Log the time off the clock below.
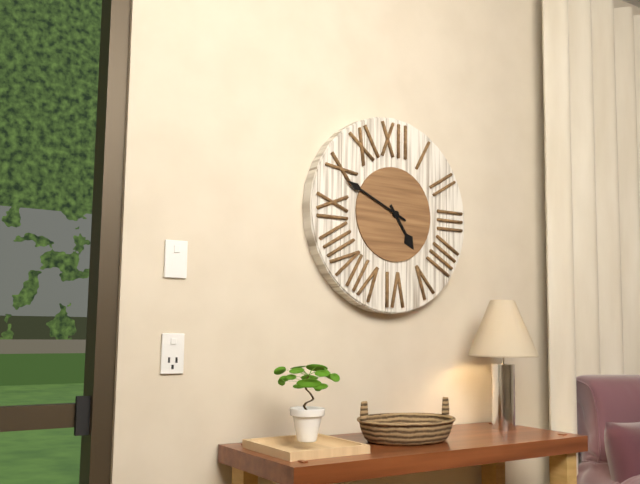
4:49
